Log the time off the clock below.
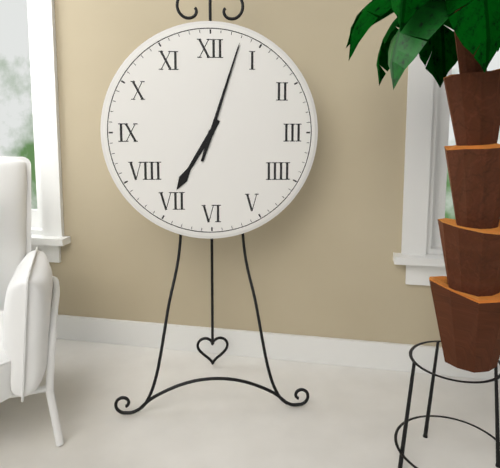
7:03
